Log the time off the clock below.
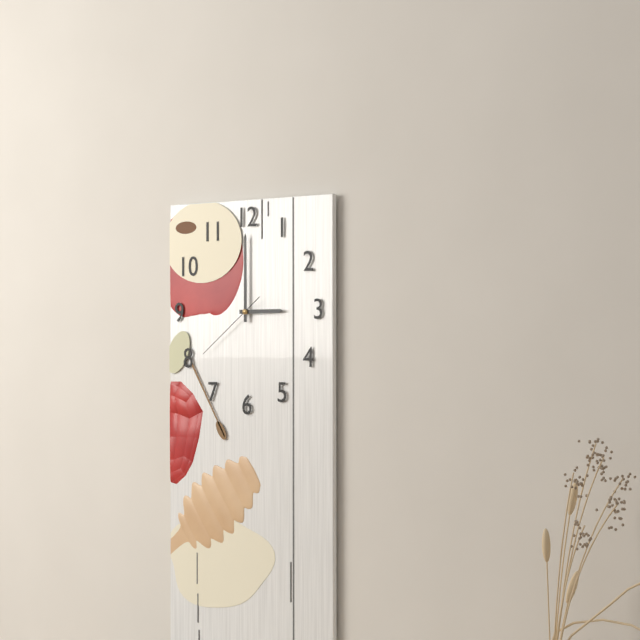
3:00:39
